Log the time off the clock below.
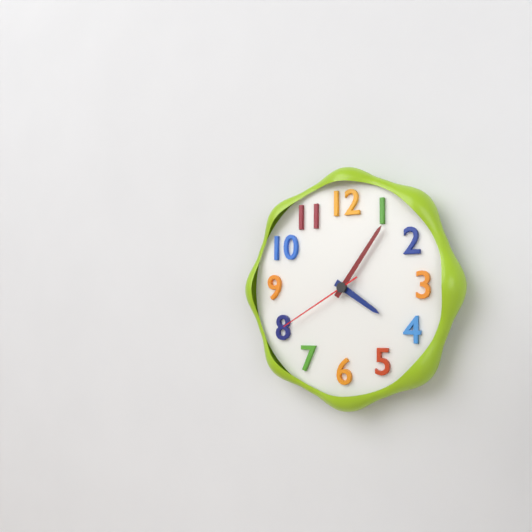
4:06:40
